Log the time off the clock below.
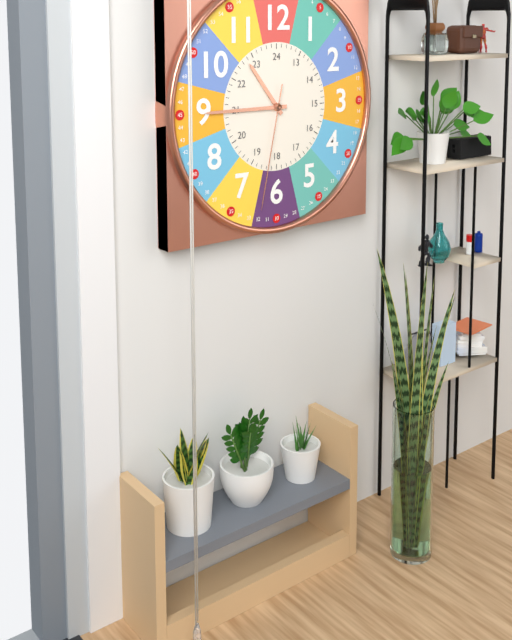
10:45:32
